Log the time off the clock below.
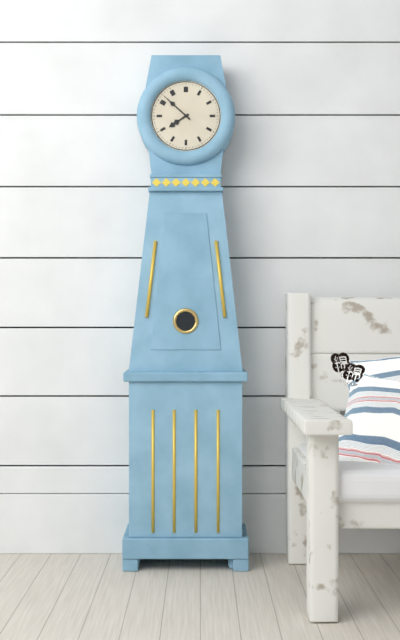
7:52
